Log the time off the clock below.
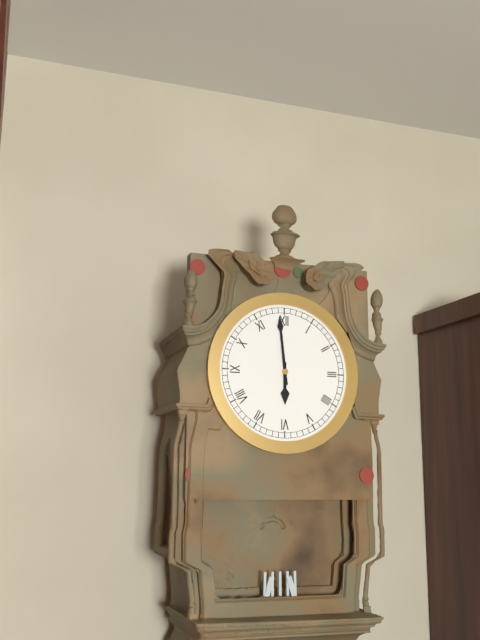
5:59
